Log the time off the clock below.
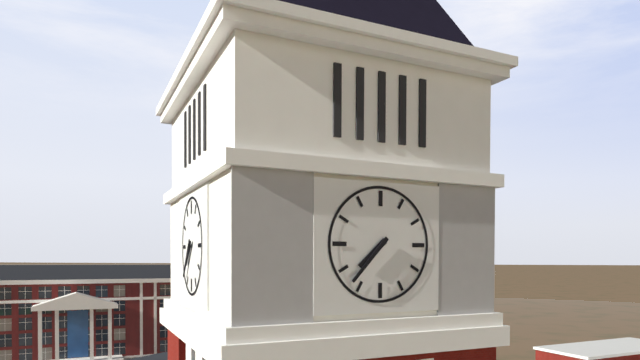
7:37
